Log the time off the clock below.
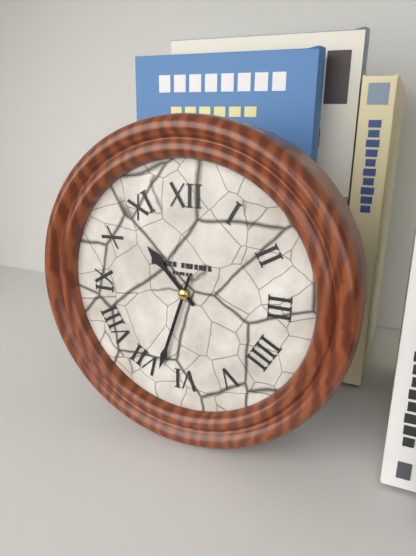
10:33
